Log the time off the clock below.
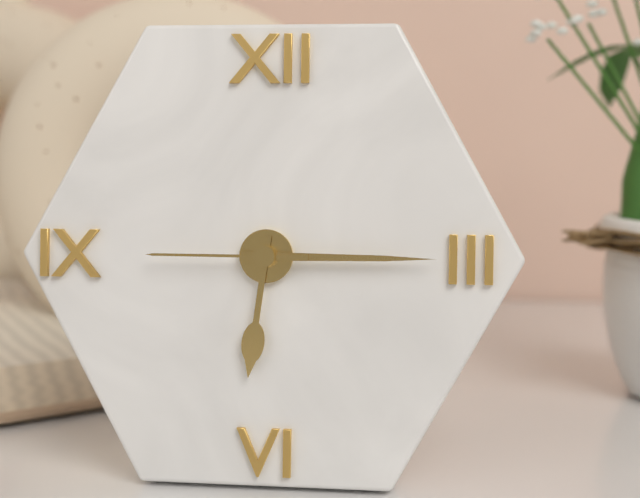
6:15:45
